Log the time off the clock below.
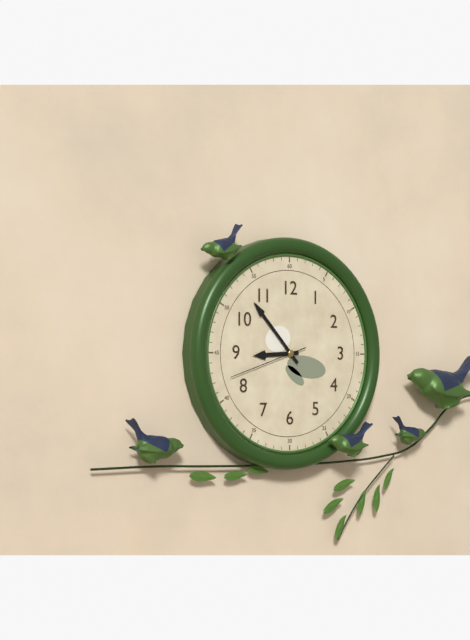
8:53:42
